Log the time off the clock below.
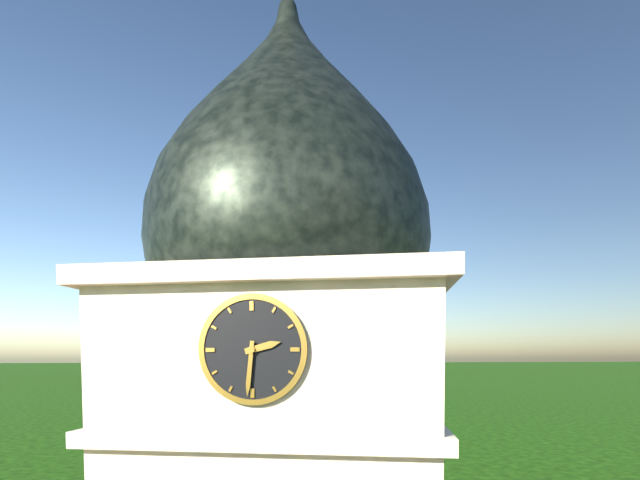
2:31
